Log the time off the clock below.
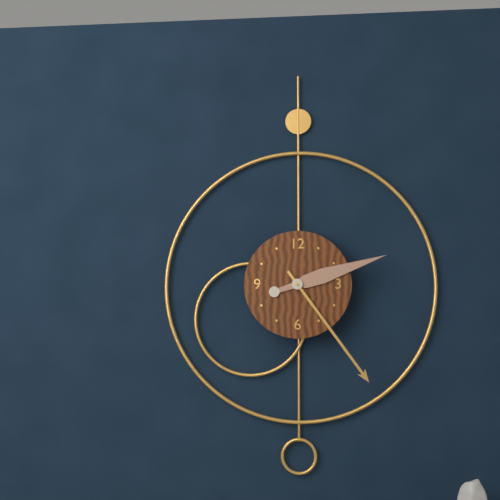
2:24
